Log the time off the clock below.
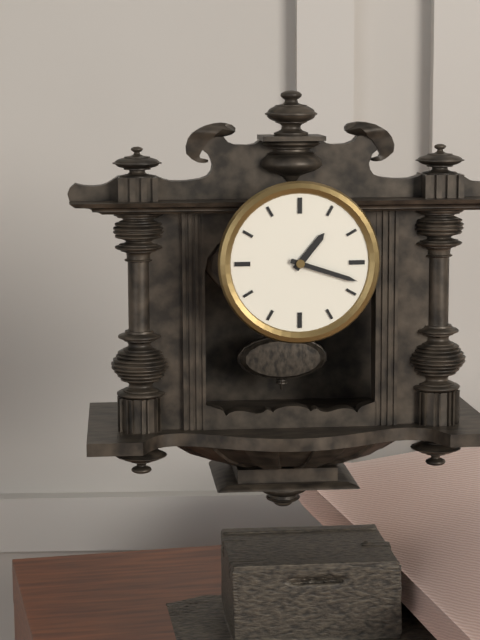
1:18
